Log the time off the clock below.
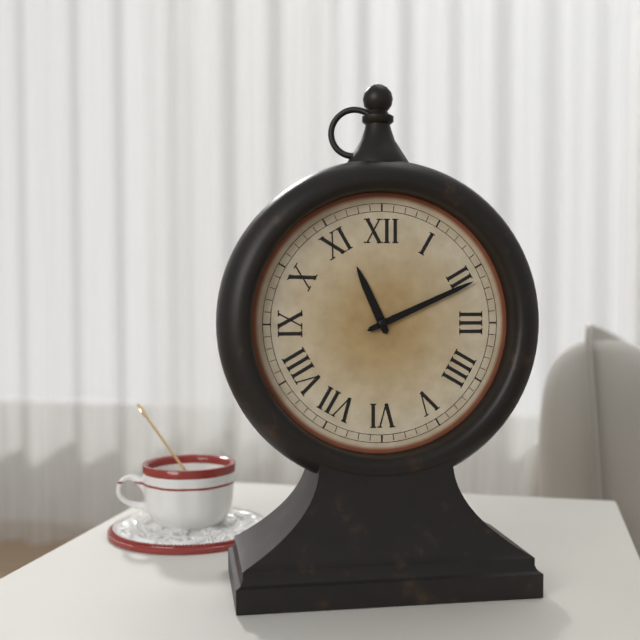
11:11
